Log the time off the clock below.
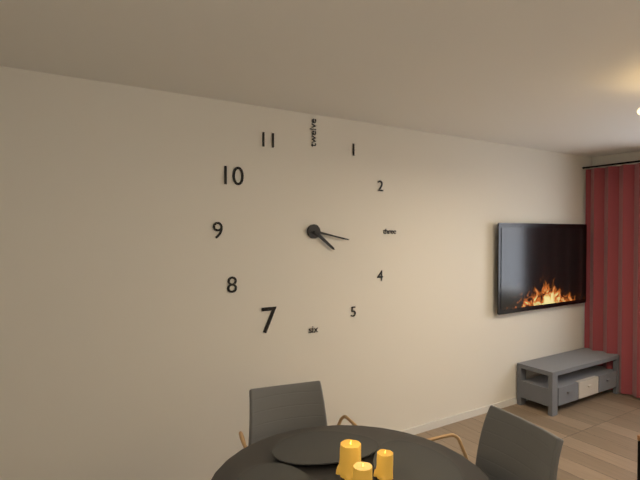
4:17
